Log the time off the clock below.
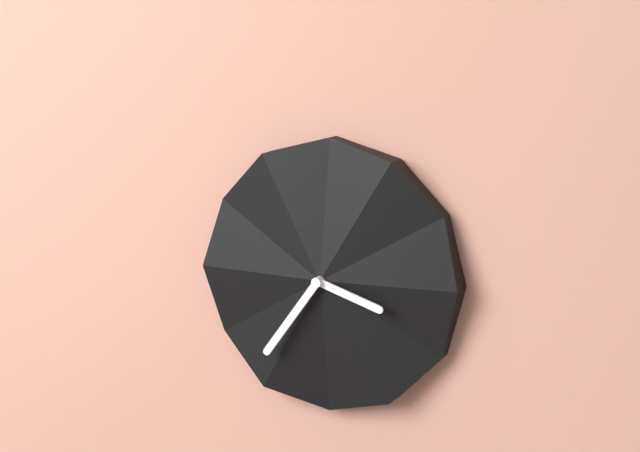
3:36
